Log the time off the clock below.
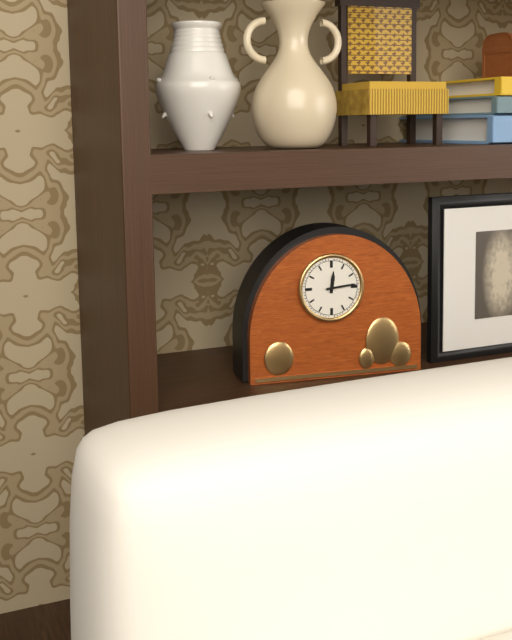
12:14
